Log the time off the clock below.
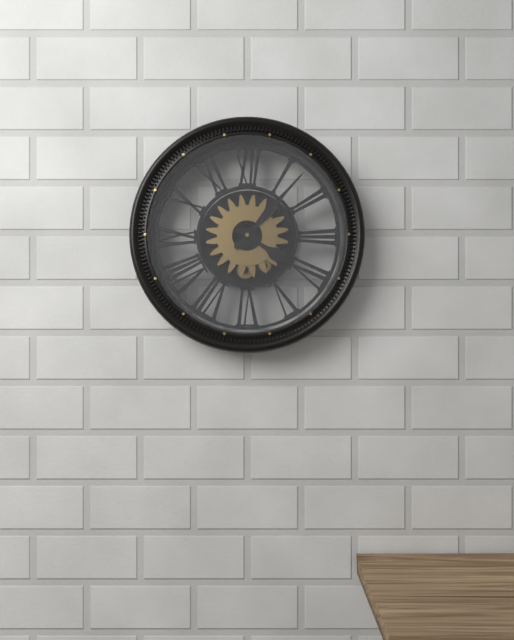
4:07
